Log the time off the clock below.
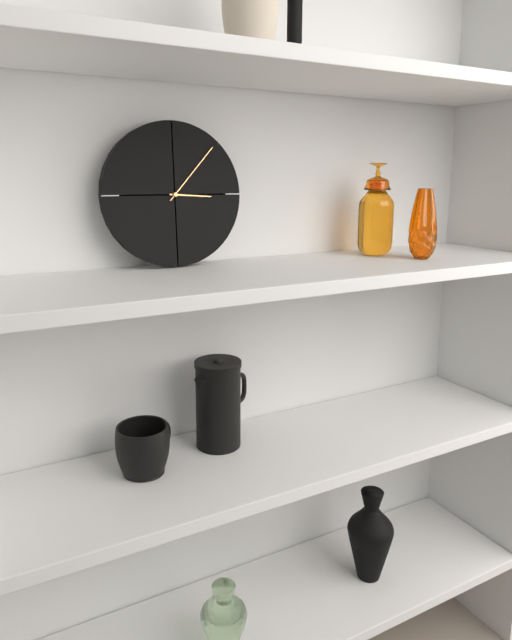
3:07
